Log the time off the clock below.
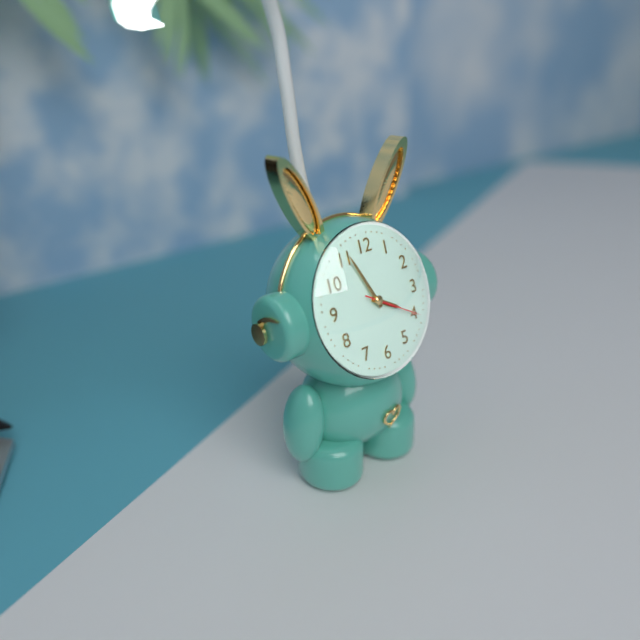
3:56:20
